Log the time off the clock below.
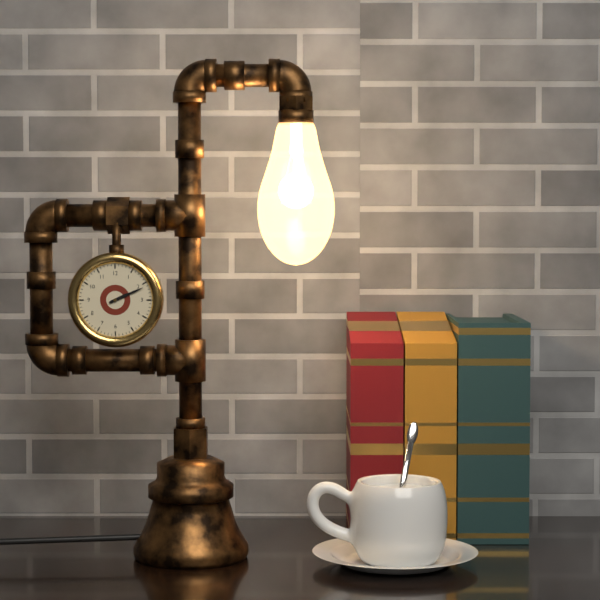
2:11
